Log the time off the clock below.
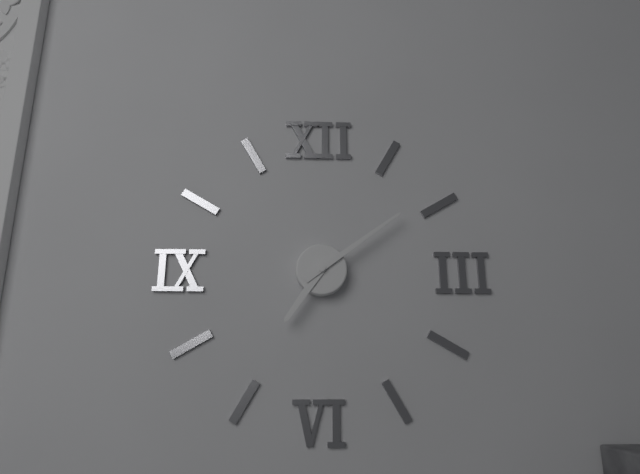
7:09
